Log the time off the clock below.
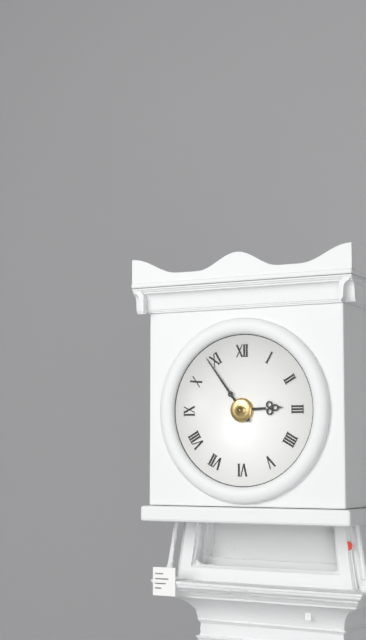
2:54
